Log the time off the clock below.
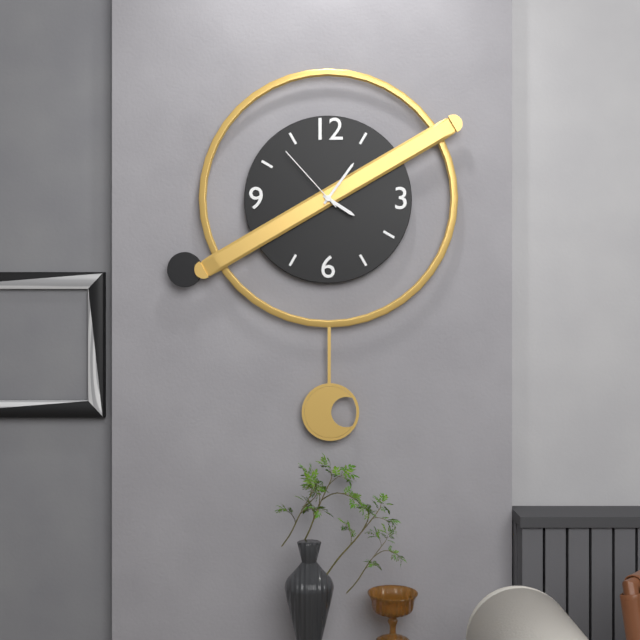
4:06:53
